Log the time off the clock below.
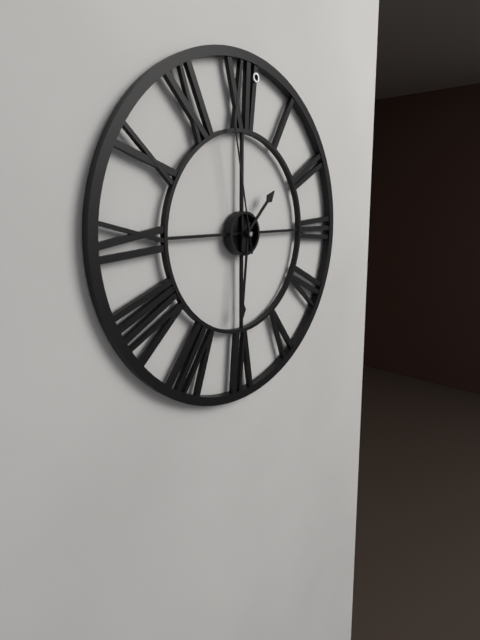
1:31:58
